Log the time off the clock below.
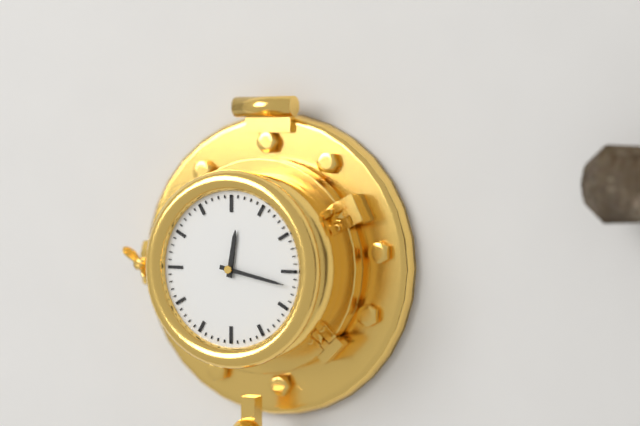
12:17
